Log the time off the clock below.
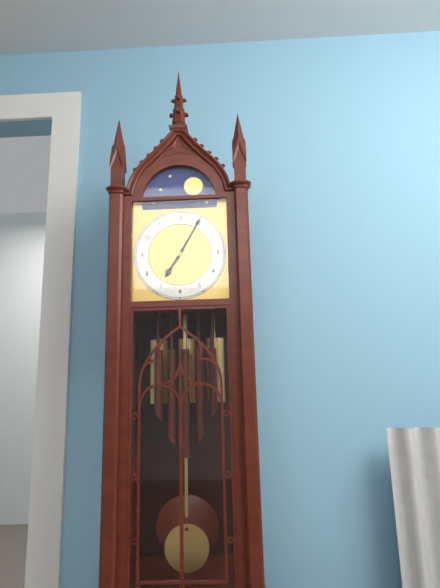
7:05
